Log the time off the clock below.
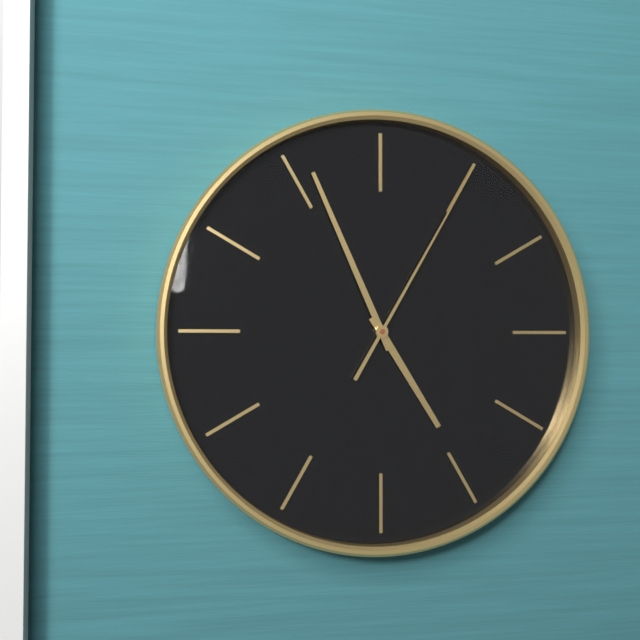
4:56:05
